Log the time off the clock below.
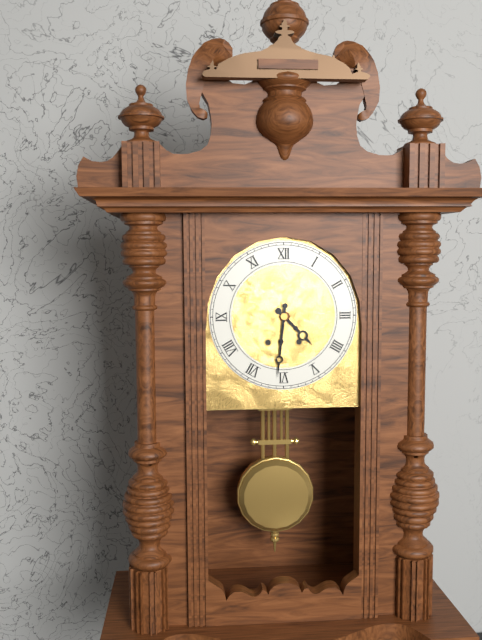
4:31
